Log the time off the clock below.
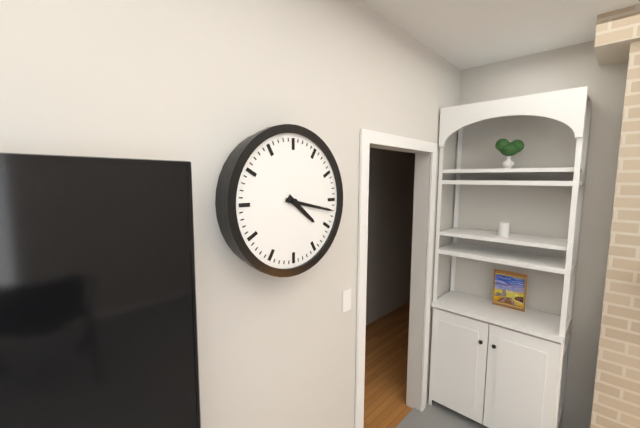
4:17
